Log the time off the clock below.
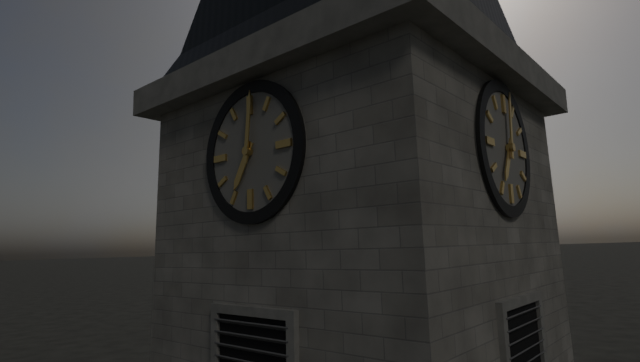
7:01
